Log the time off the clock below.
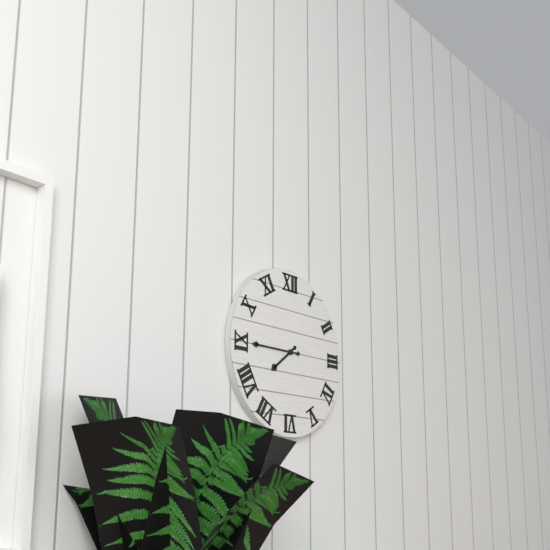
7:45
